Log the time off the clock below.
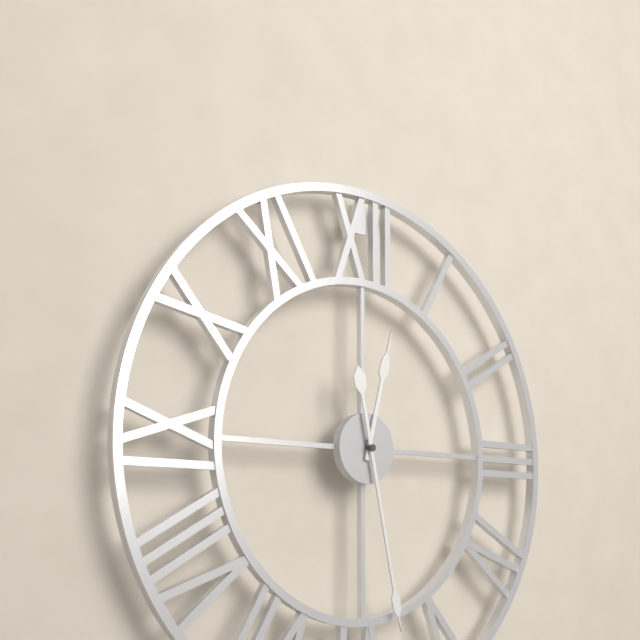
12:28
